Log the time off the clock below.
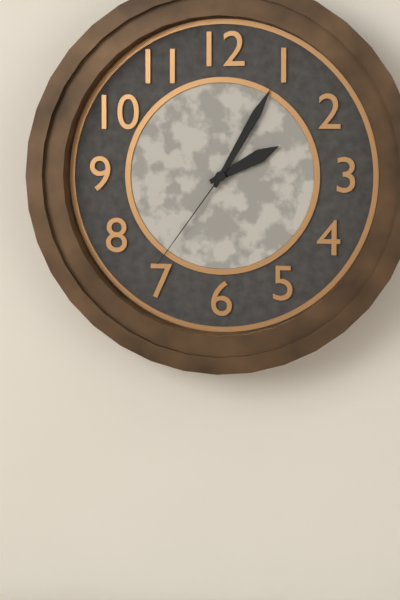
2:05:36
